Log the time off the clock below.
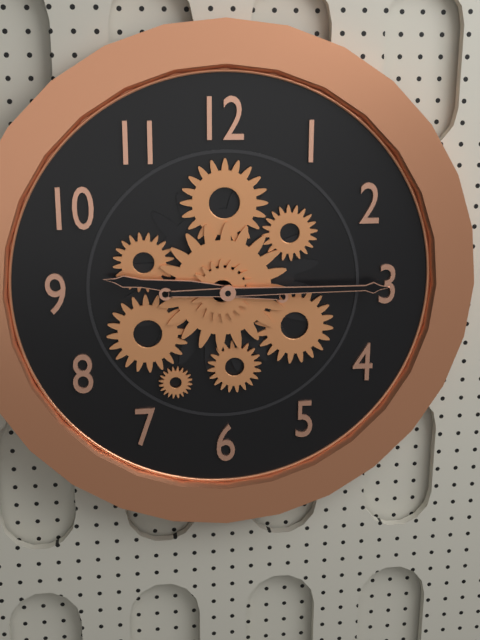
9:15
